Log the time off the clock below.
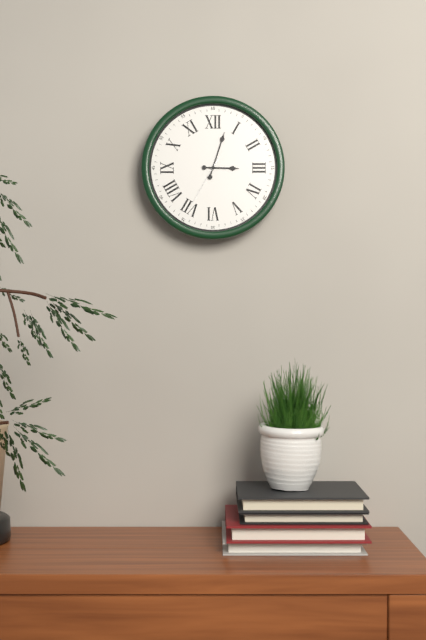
3:03:35
